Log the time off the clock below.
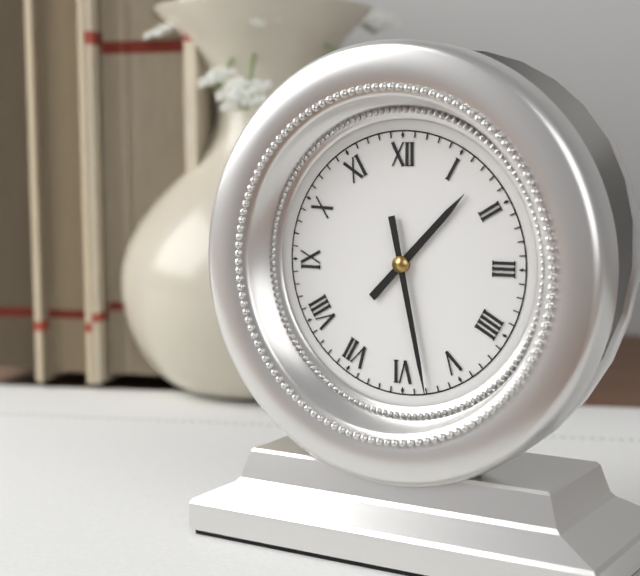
1:28
